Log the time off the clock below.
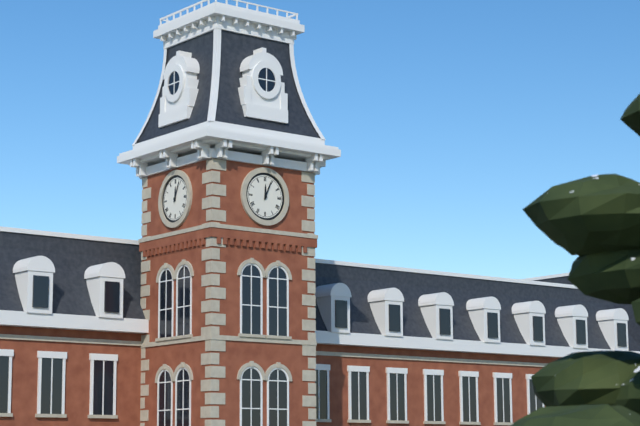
12:04
